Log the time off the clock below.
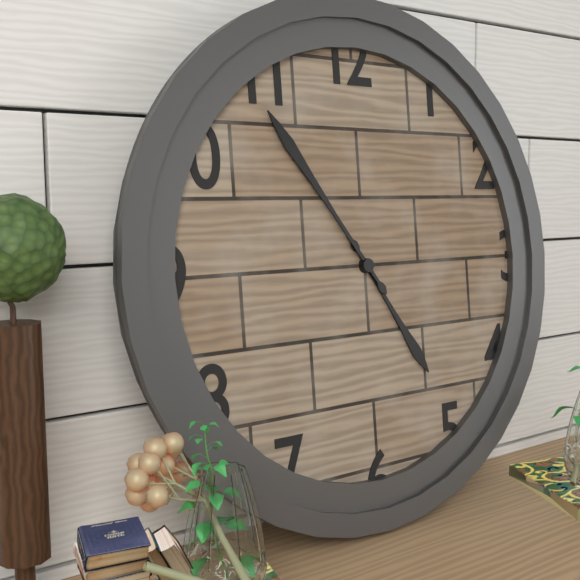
4:54
